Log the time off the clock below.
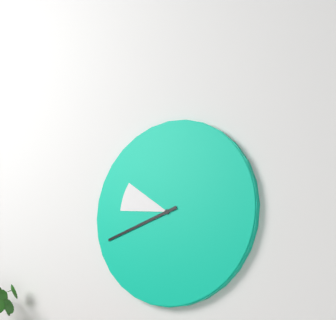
9:42
